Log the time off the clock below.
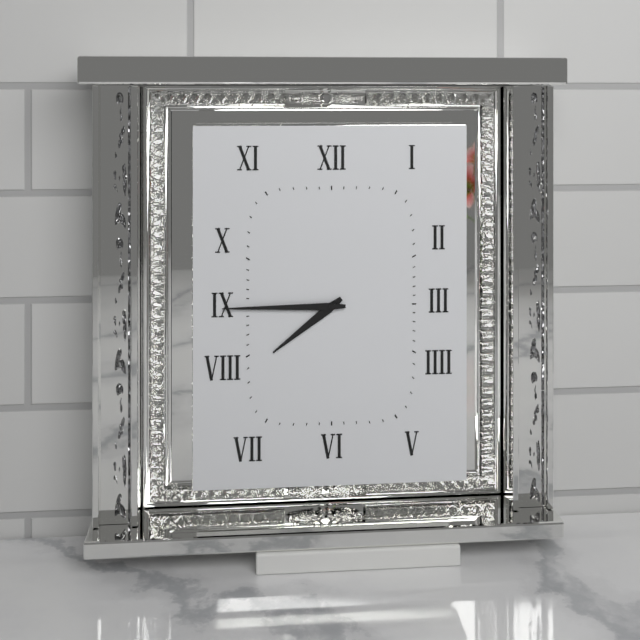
7:45
